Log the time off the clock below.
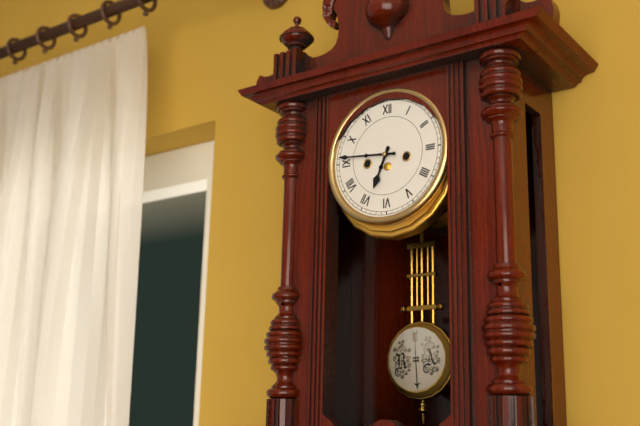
6:46
